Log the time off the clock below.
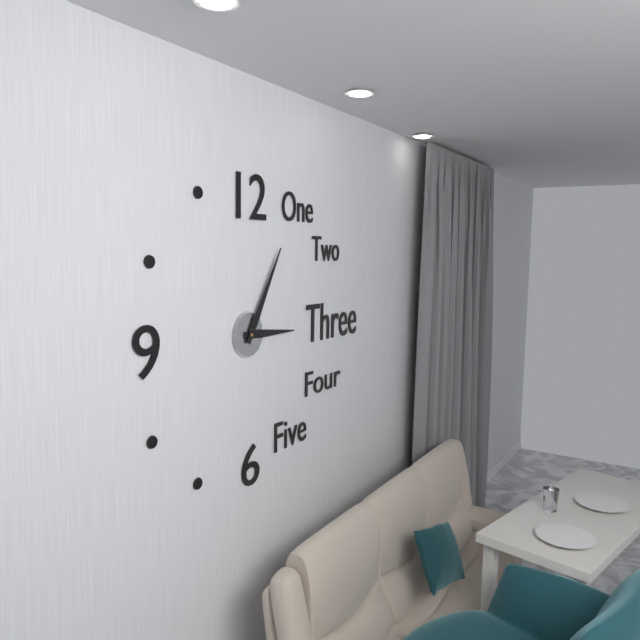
3:05
